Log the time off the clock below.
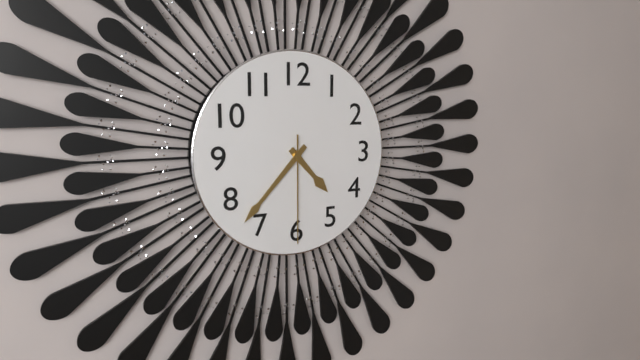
4:37:30
